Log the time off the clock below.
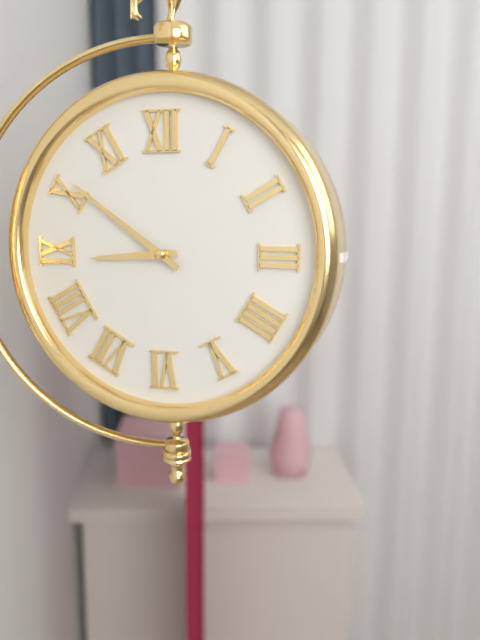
8:51
